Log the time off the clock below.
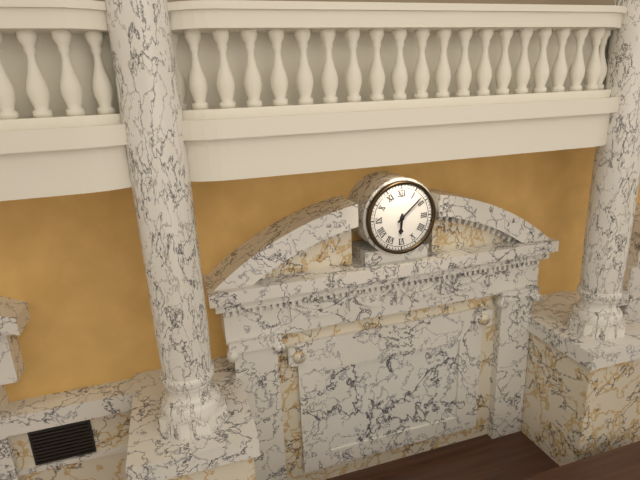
6:08
